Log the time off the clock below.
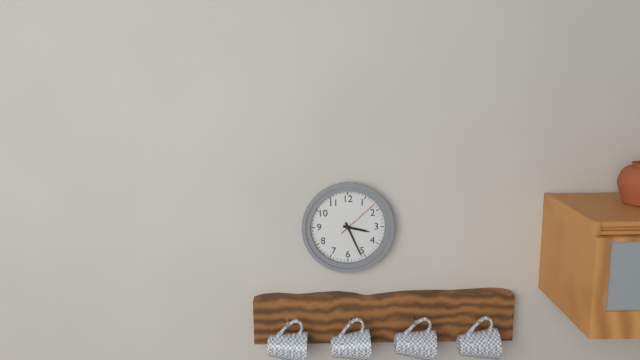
3:26
